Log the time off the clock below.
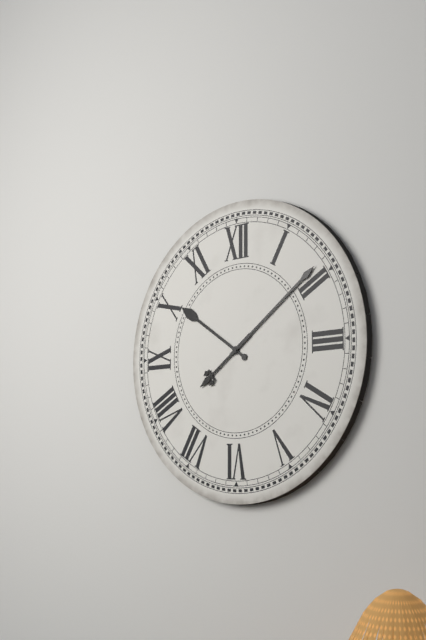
10:09
